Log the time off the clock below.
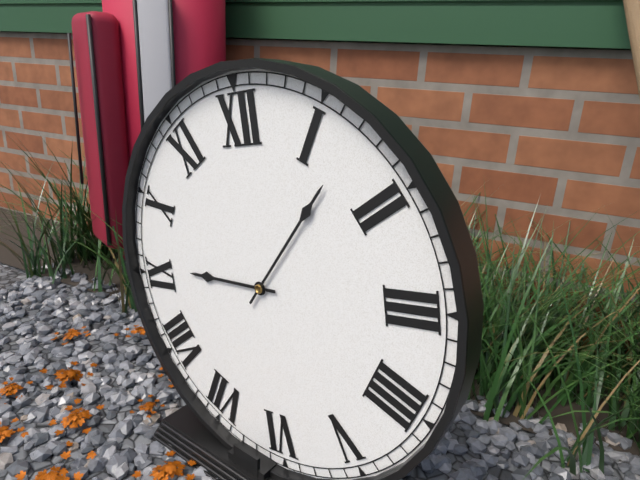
9:07
